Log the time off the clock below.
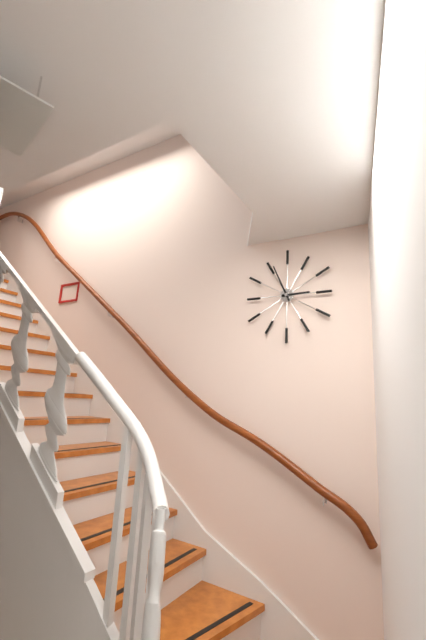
2:56
